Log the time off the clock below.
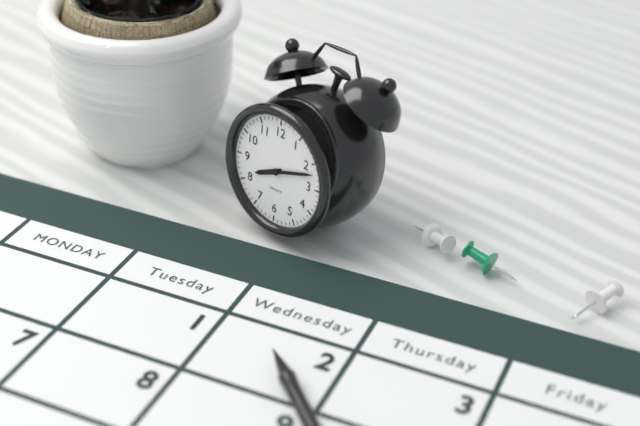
8:12
